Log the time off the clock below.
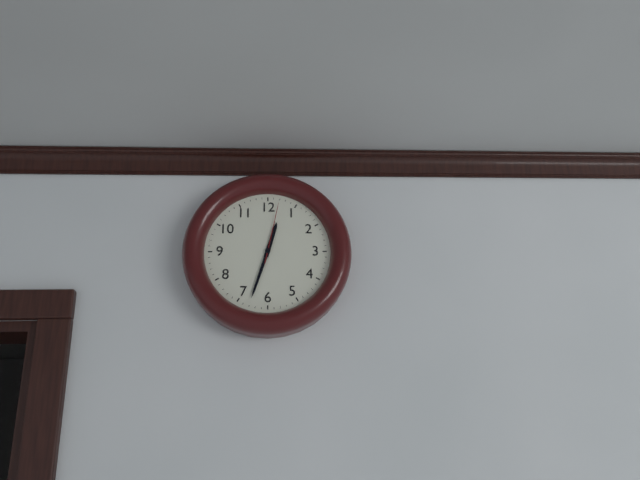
12:33:02
